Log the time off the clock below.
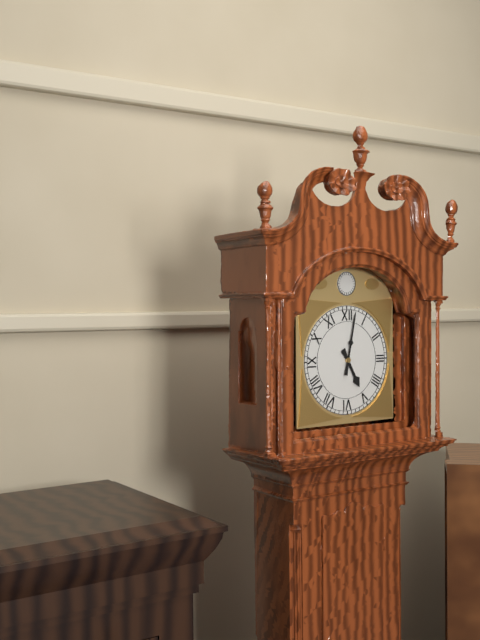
5:02
